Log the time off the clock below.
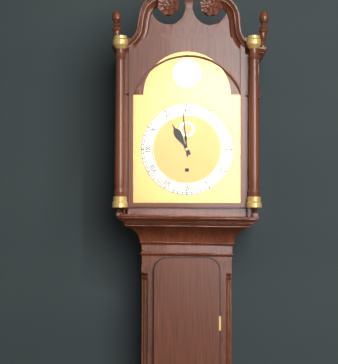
10:59
